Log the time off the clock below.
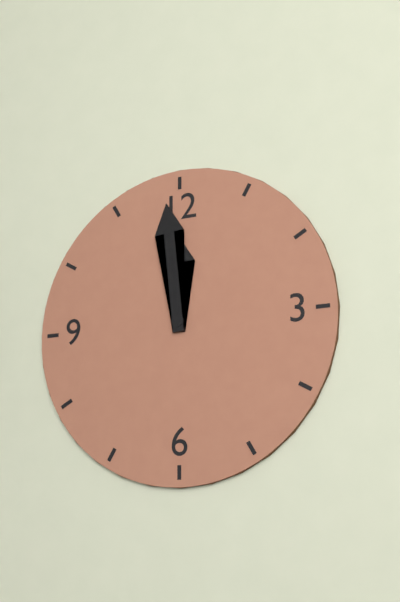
11:59
